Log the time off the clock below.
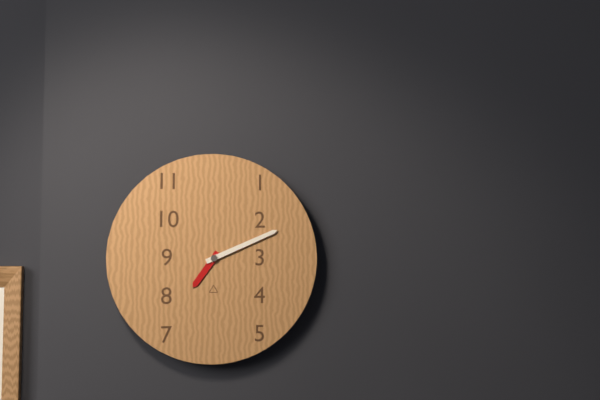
7:11
